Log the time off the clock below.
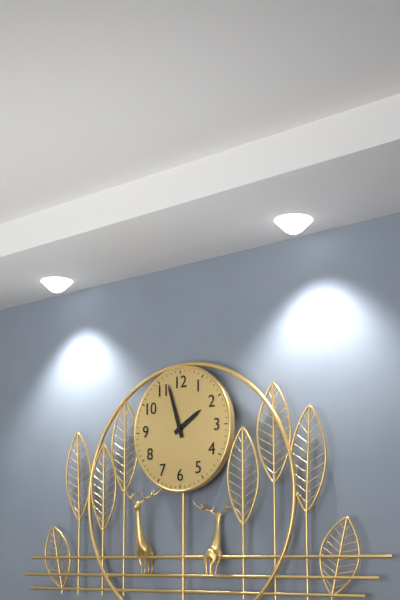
1:57
